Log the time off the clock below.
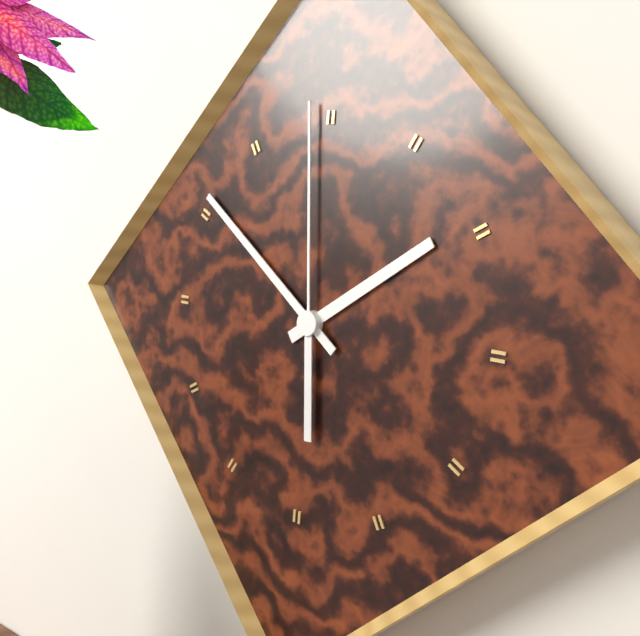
1:51:59
